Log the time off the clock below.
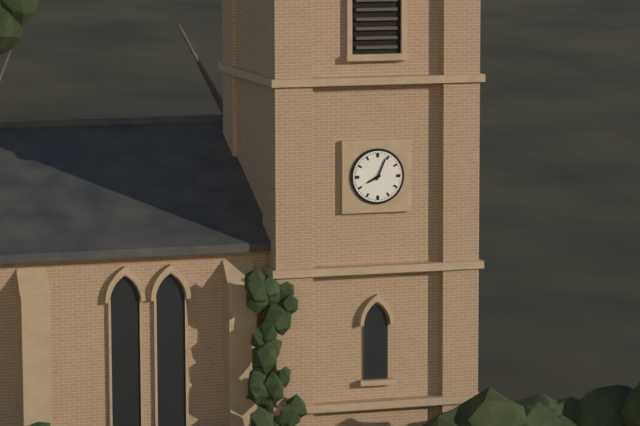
8:04
